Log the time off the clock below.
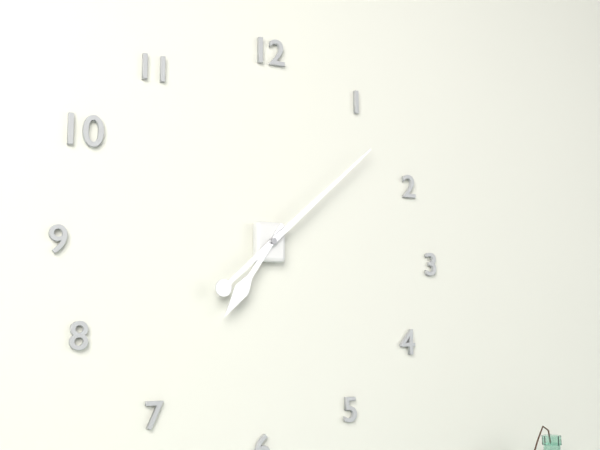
7:08
